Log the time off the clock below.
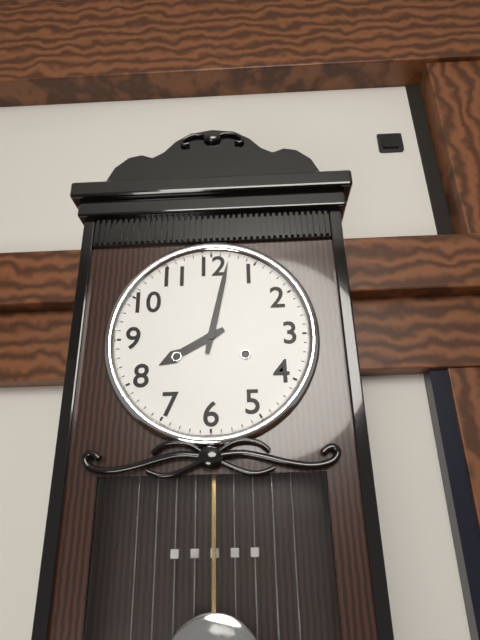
8:02
